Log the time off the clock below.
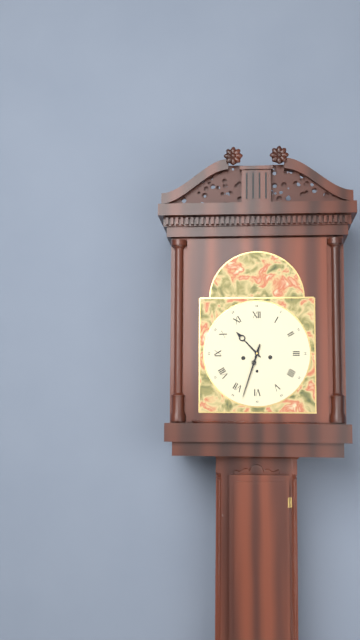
10:33
